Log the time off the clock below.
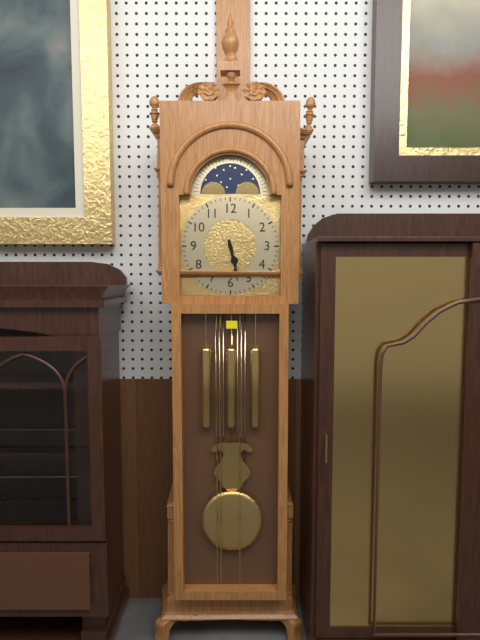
5:28
